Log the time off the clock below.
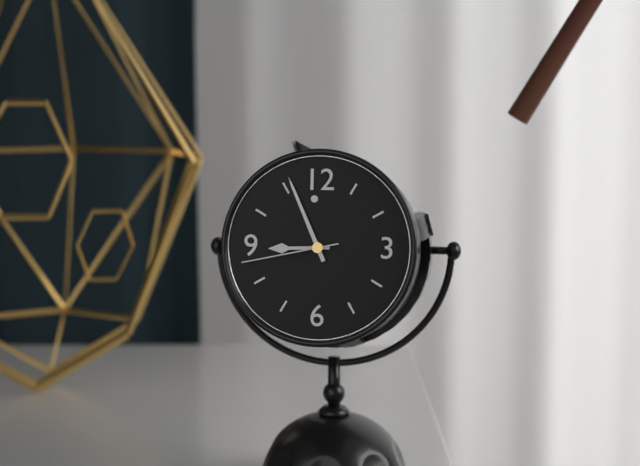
8:56:43
